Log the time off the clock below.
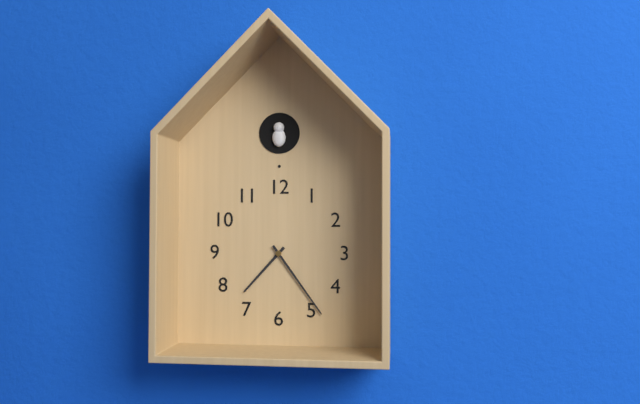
7:24
